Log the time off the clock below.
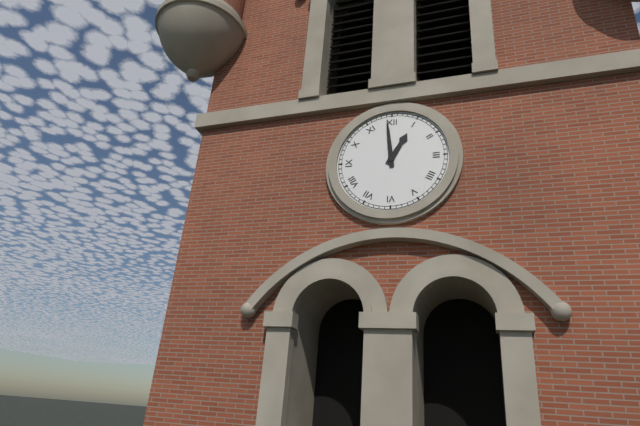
12:59
